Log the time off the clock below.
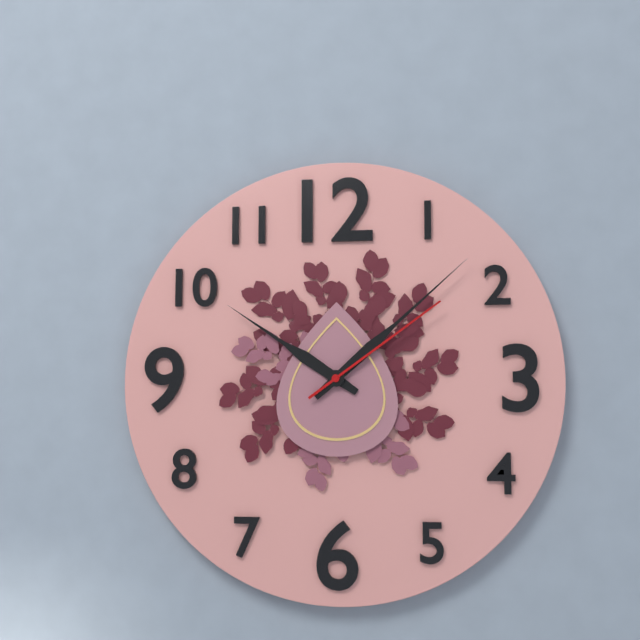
10:08:09
